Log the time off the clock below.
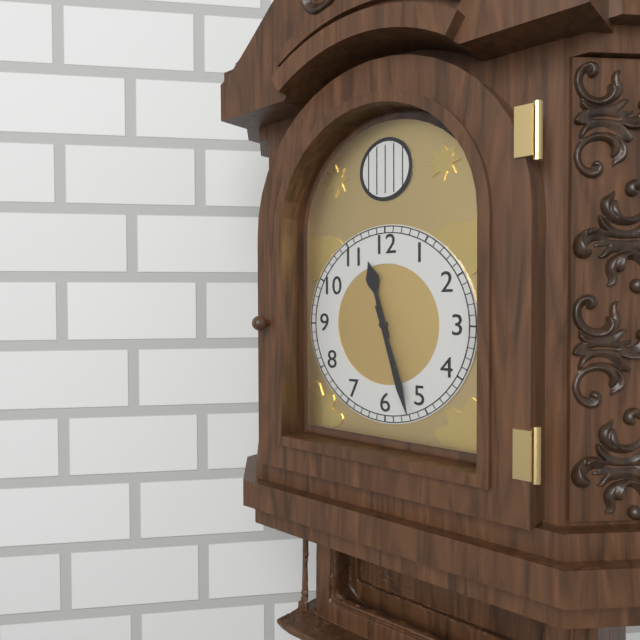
11:27
